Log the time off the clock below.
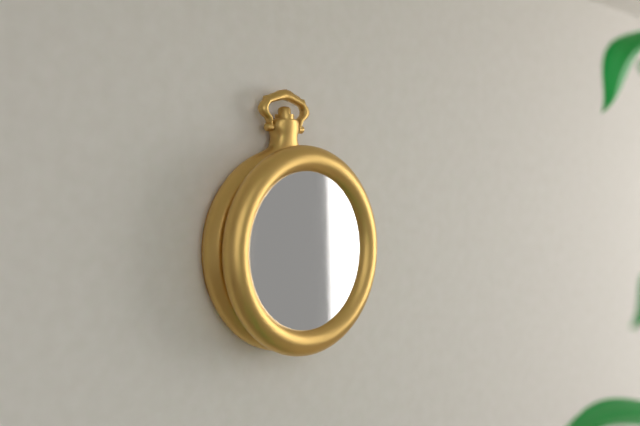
9:04
